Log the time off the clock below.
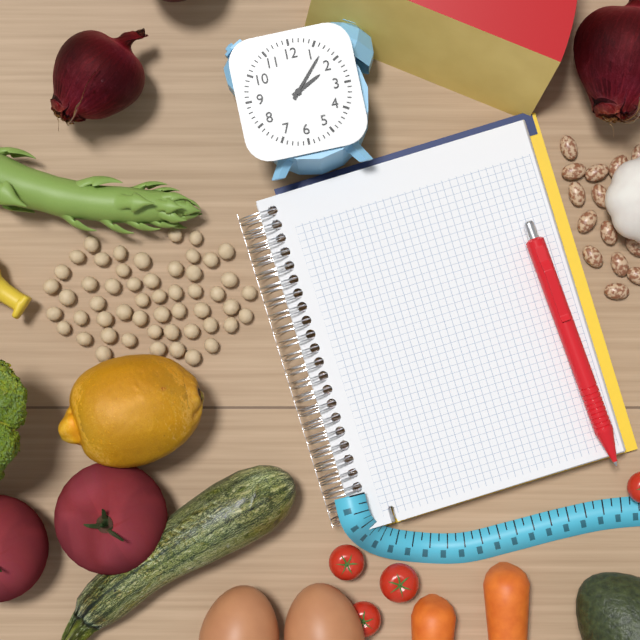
2:07
